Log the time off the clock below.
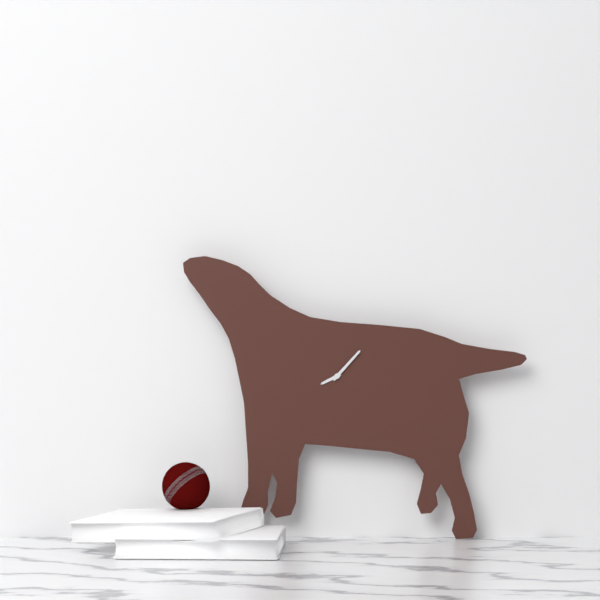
8:07
